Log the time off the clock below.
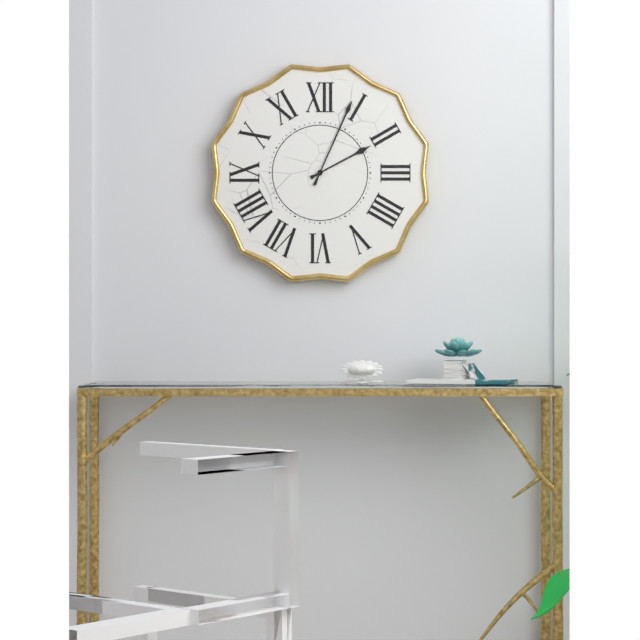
2:04
